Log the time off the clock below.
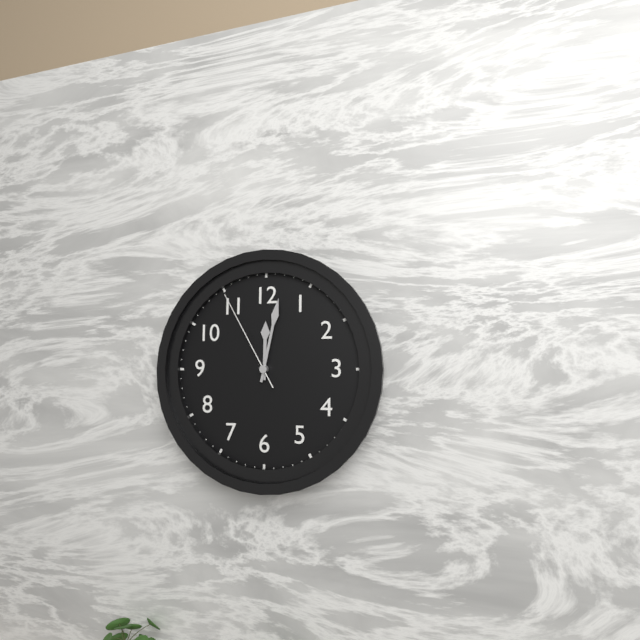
12:02:55
